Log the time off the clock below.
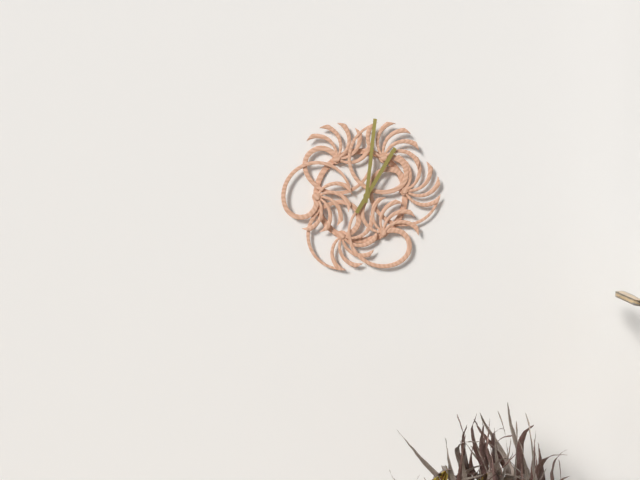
1:01
